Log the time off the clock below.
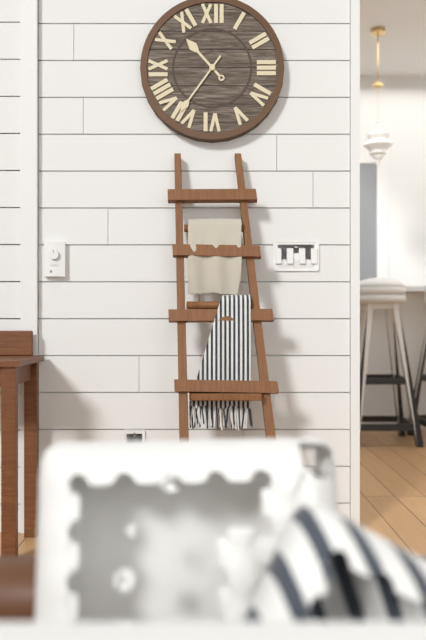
10:36
